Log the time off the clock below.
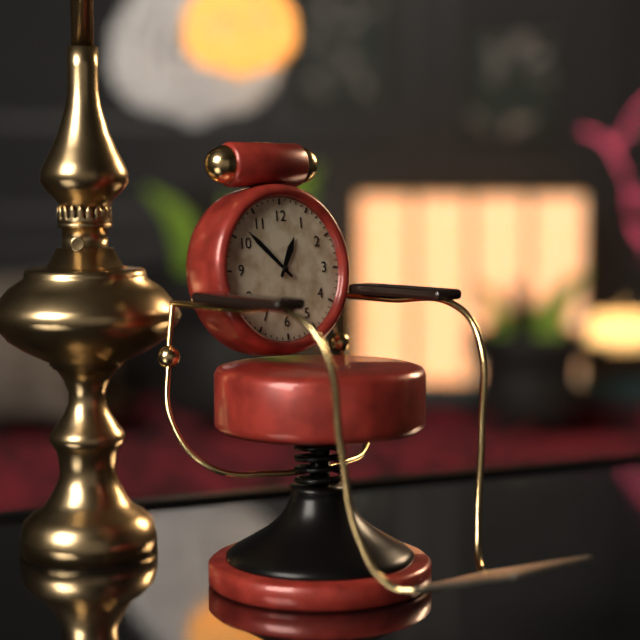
12:52
